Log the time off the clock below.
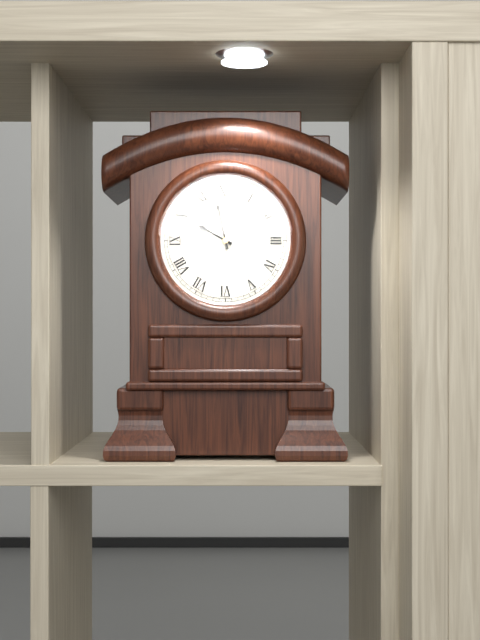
9:58
